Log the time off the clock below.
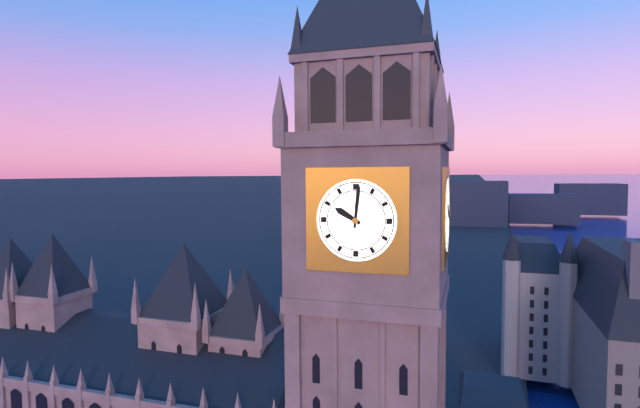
10:01
